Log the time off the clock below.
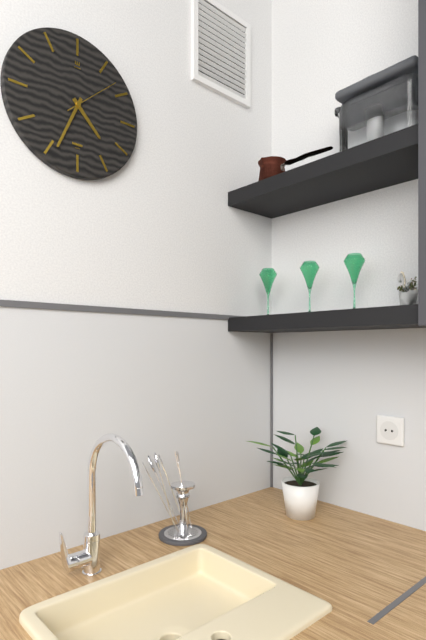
4:34:08
